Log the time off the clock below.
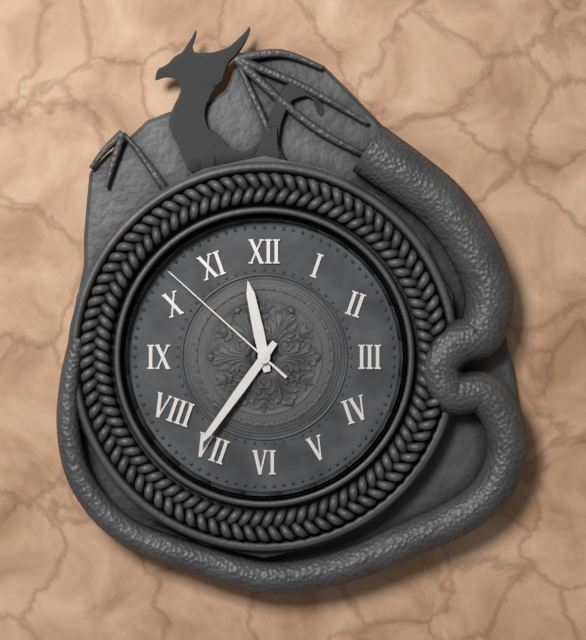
11:36:52
